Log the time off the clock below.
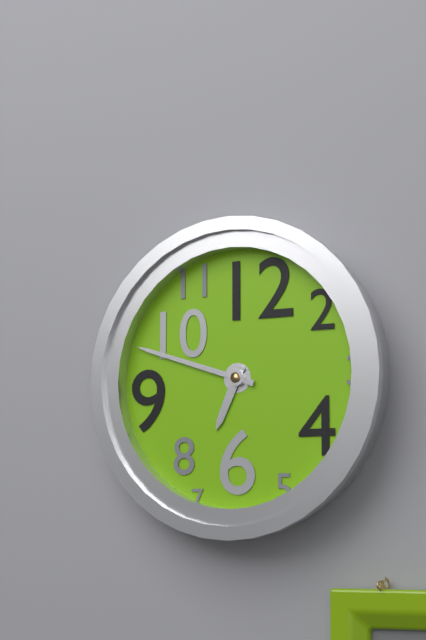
6:48
